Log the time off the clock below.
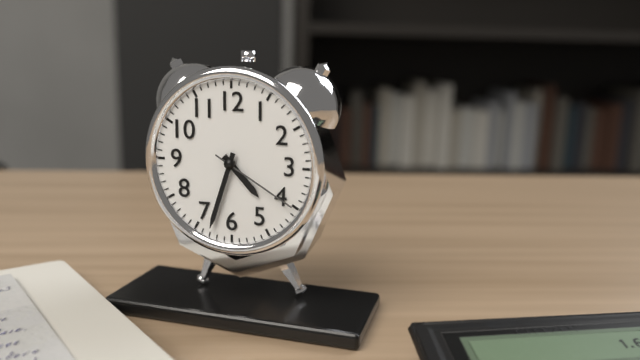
4:33:20
